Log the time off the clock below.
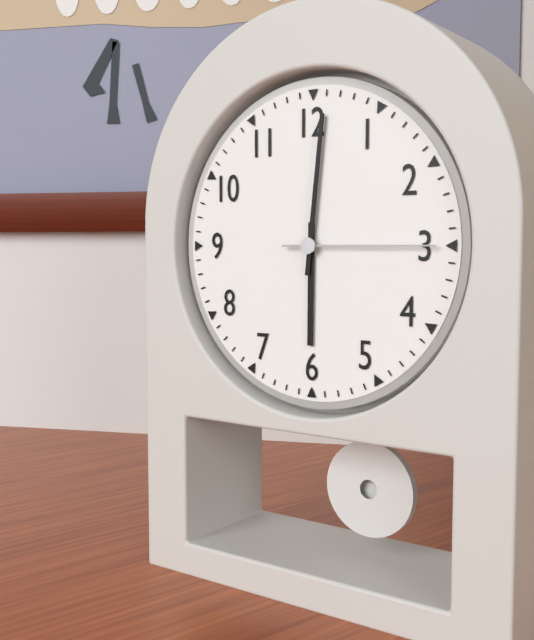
6:01:15
